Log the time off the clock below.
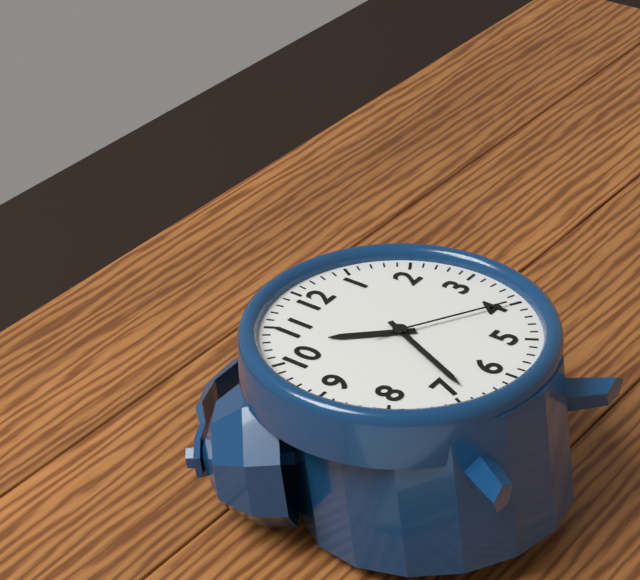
10:34:20
